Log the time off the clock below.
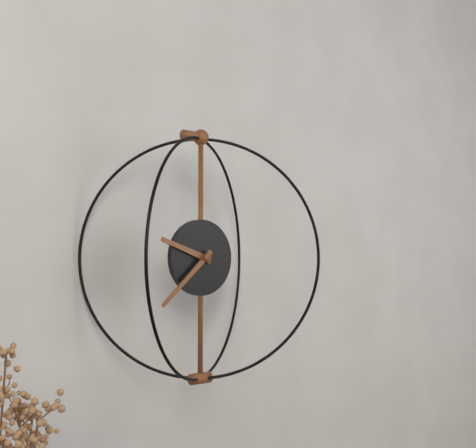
9:38
